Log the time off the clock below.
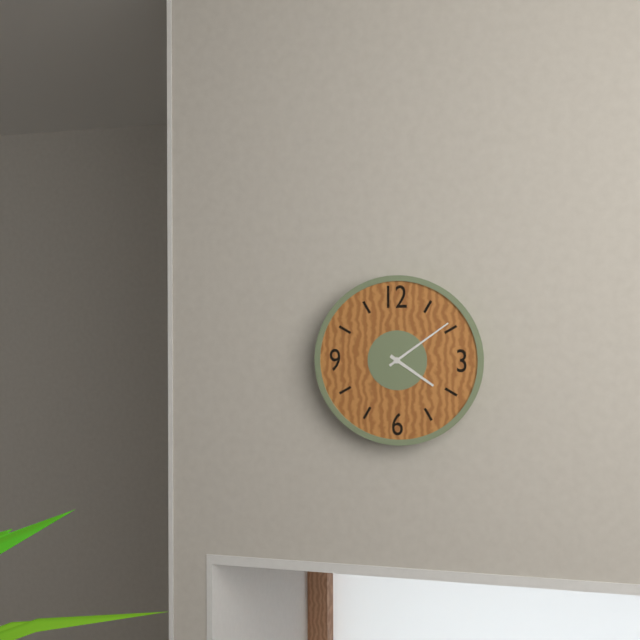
4:09
